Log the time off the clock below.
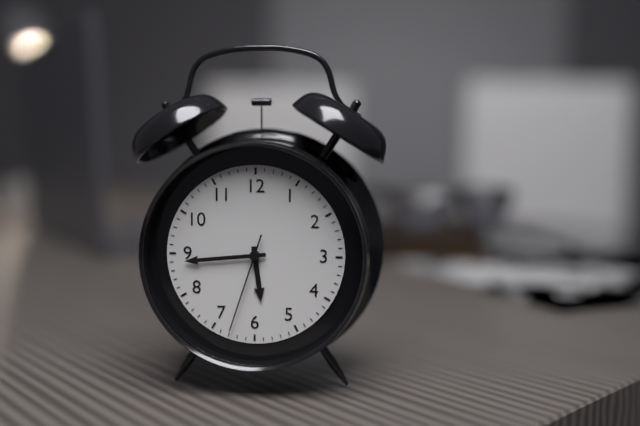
5:44:33
